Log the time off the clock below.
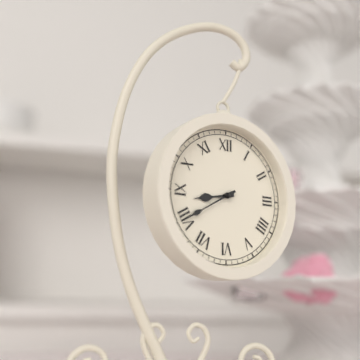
8:40
